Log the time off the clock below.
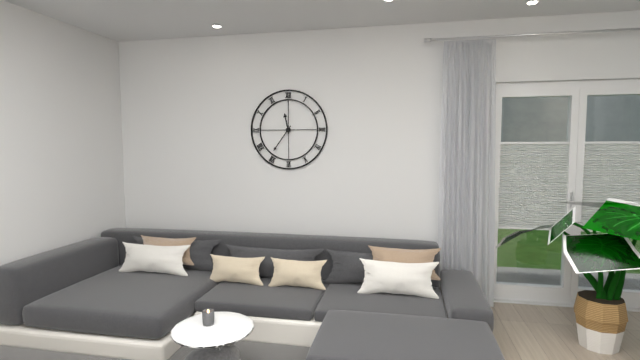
11:36
